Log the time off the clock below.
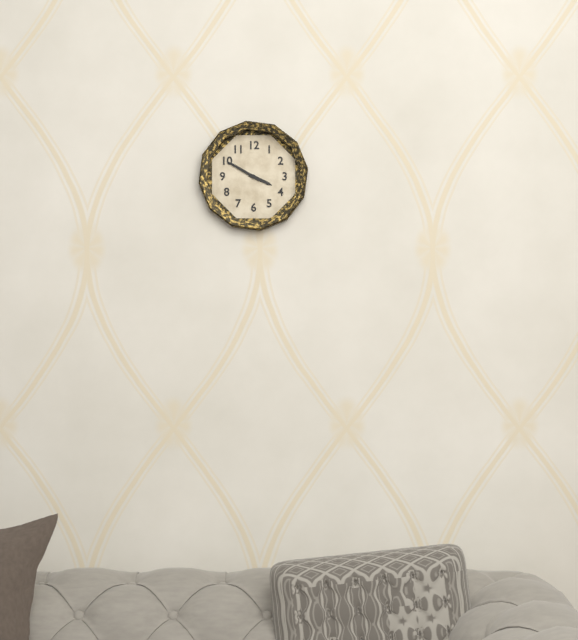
3:50
